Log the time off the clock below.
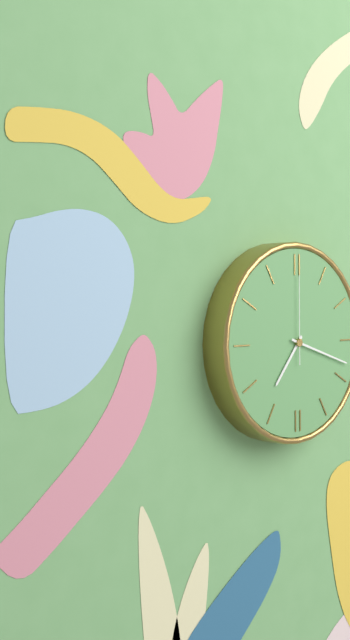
7:18:00
